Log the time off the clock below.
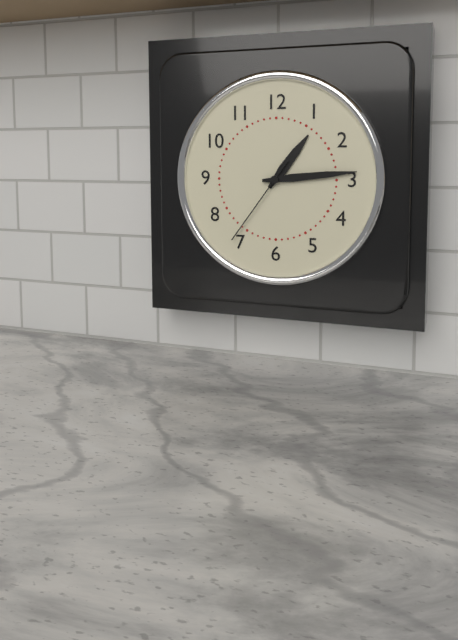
1:14:36
